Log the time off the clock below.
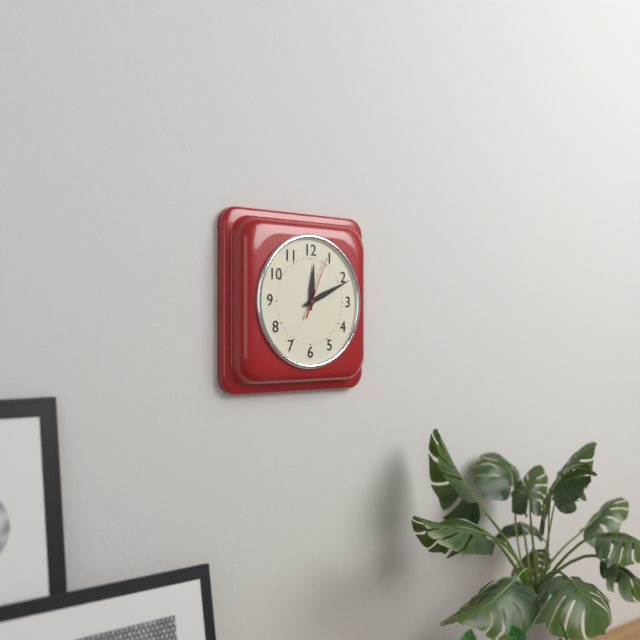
12:11:04
